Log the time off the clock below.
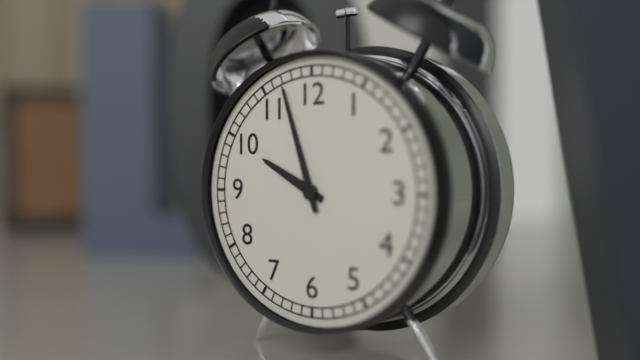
9:57
